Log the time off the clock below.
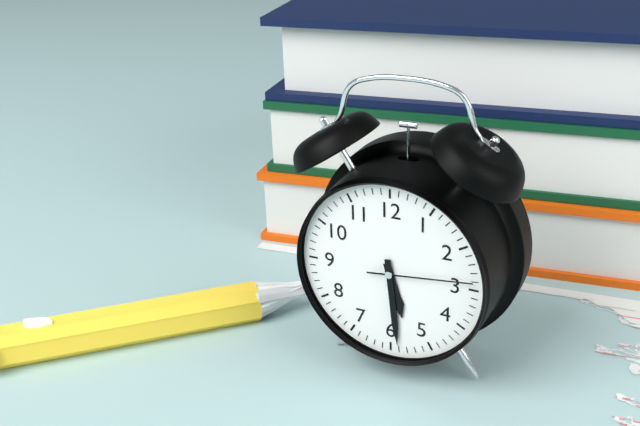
5:29:14
